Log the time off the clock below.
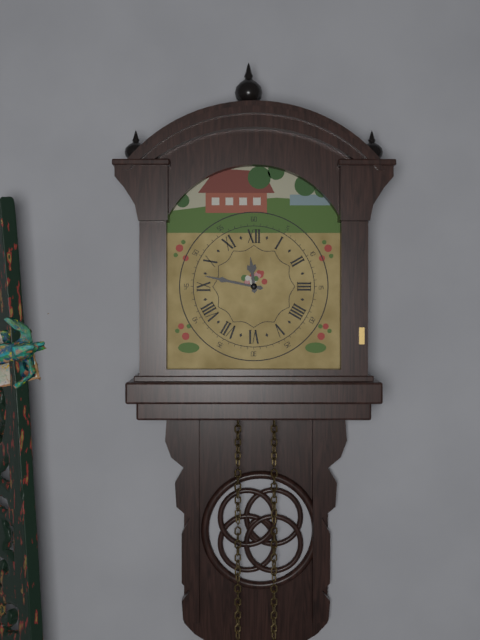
11:47
